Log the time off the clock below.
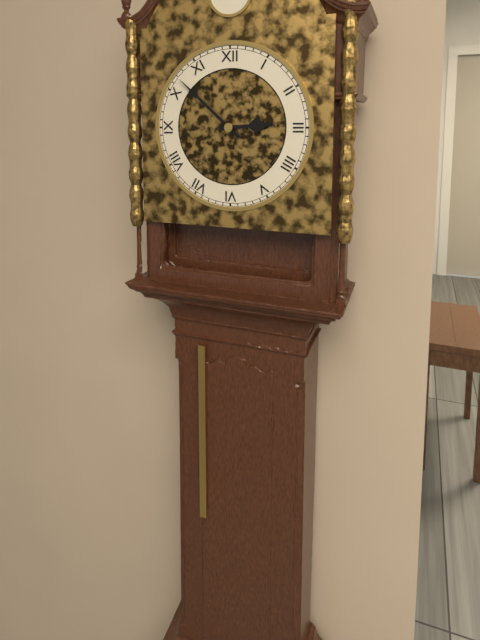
2:52
